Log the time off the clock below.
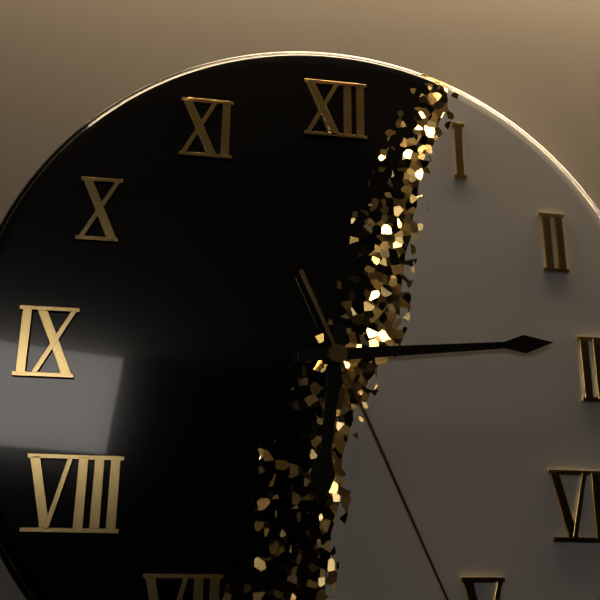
6:14
